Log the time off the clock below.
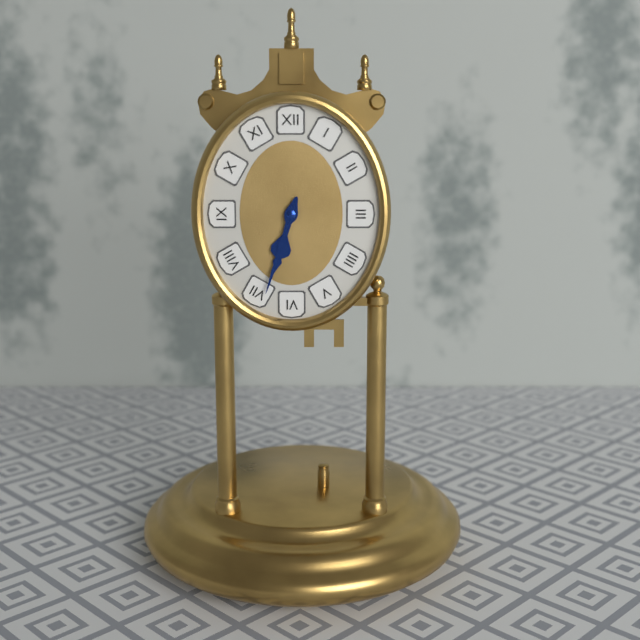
6:33
